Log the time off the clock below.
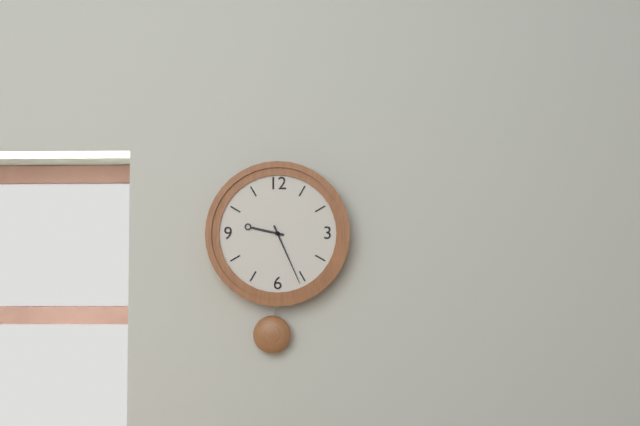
9:26
